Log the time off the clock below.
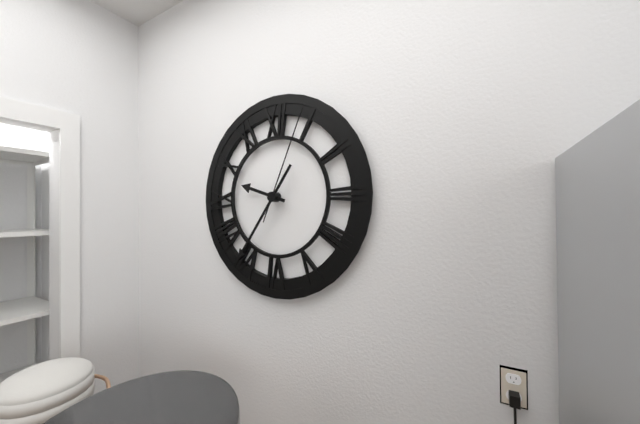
9:36:04
